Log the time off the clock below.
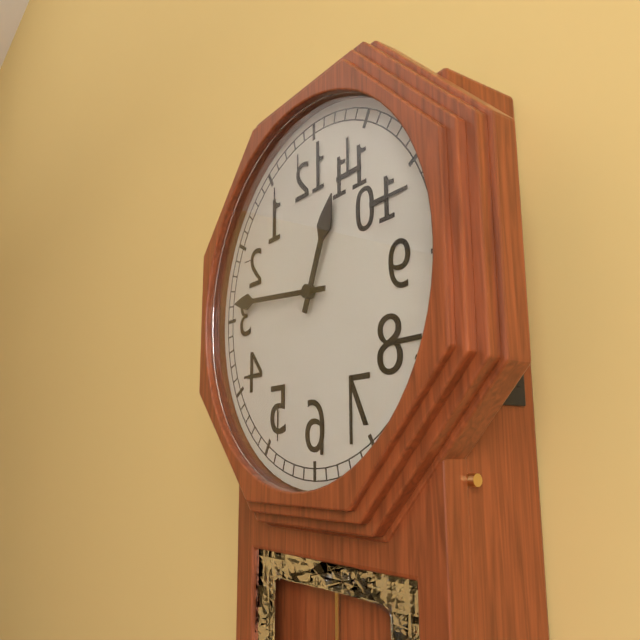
12:46
